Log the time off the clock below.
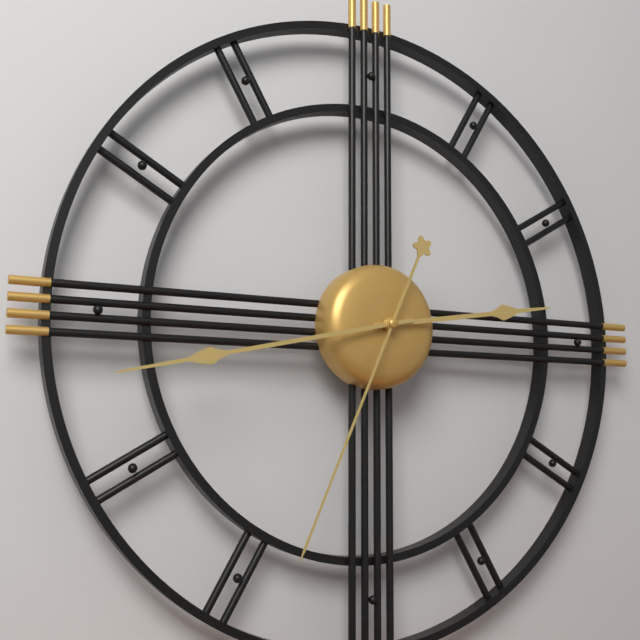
2:43:34
